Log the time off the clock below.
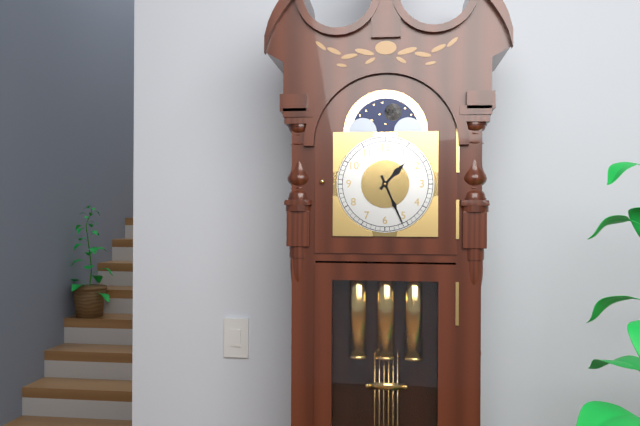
1:26
